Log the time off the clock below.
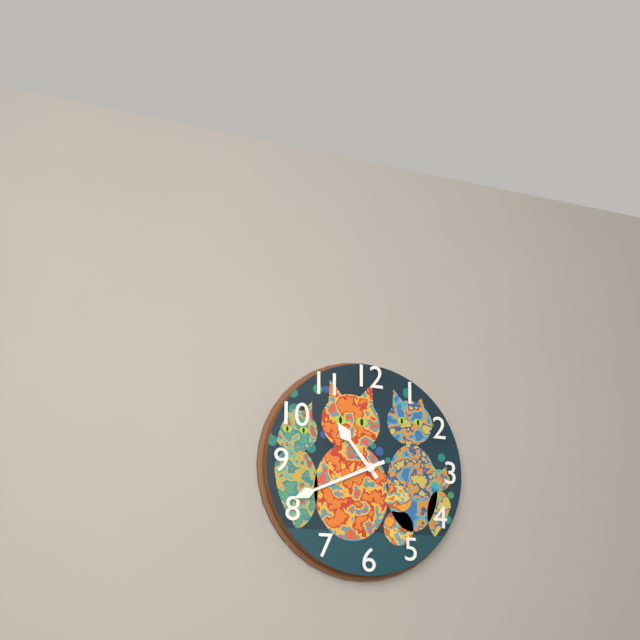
10:41
